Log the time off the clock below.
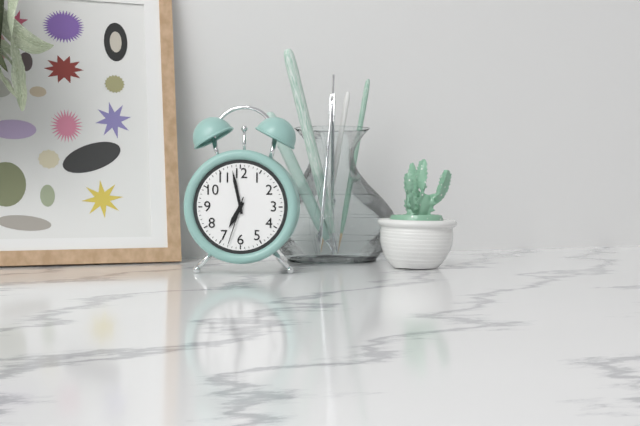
6:58
